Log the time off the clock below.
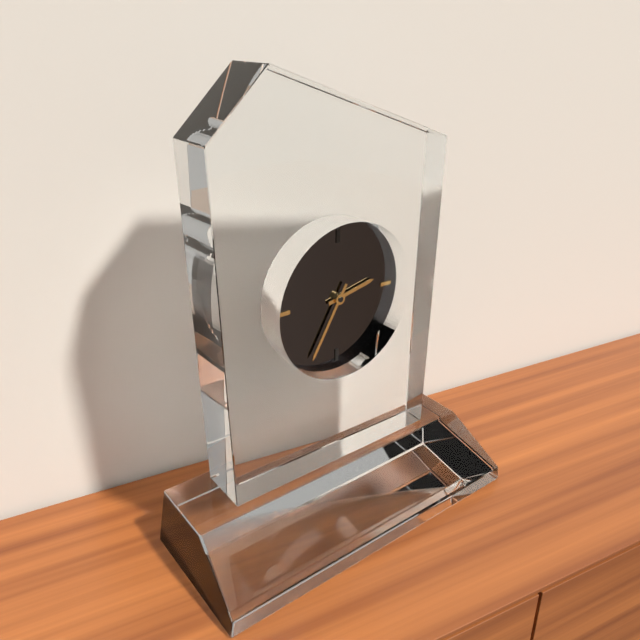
2:35
